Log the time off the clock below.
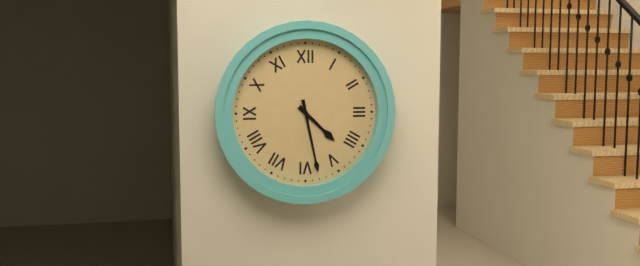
4:28
